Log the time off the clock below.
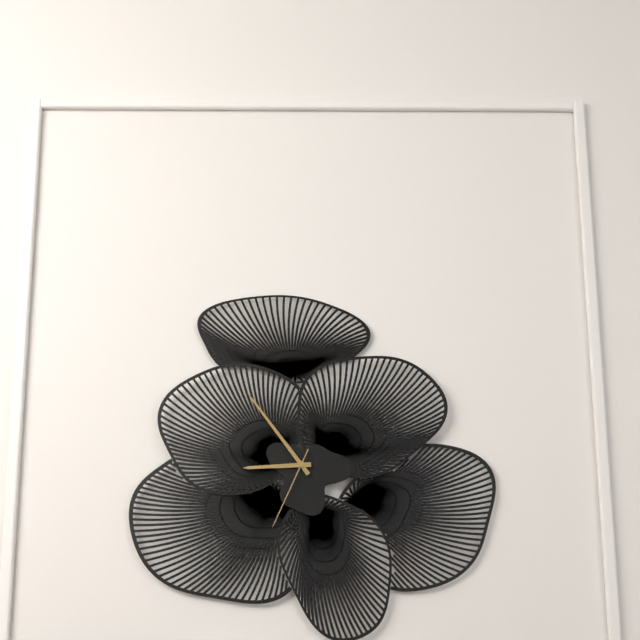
8:54:34
